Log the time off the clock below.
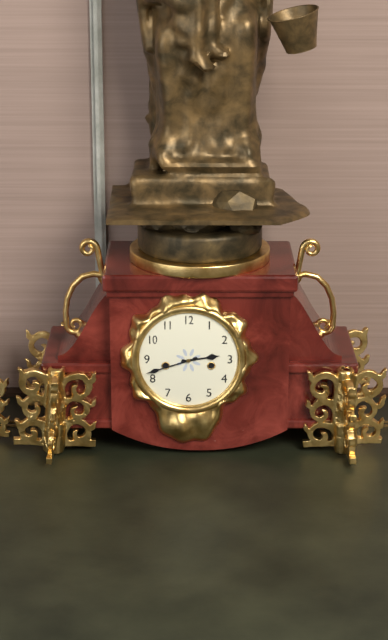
2:42
